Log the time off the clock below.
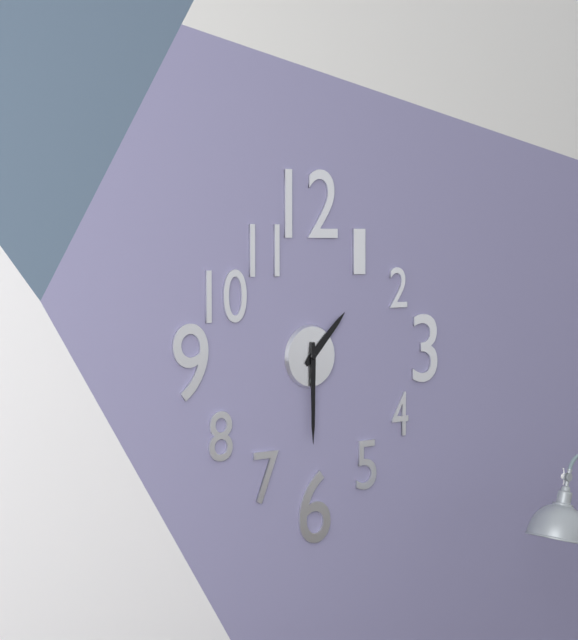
1:30
